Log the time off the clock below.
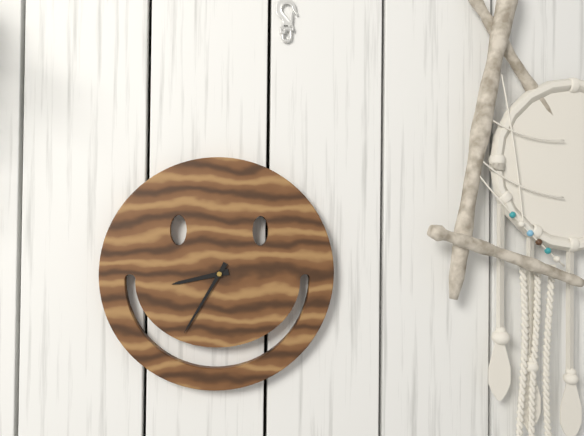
8:35
